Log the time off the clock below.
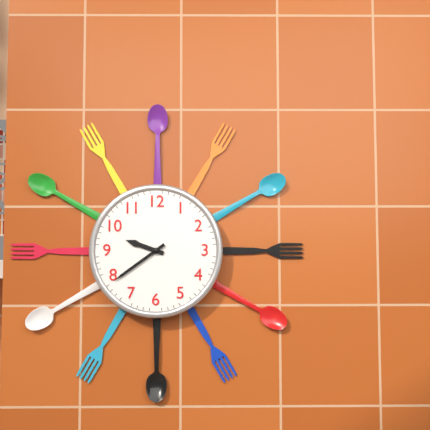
9:39
